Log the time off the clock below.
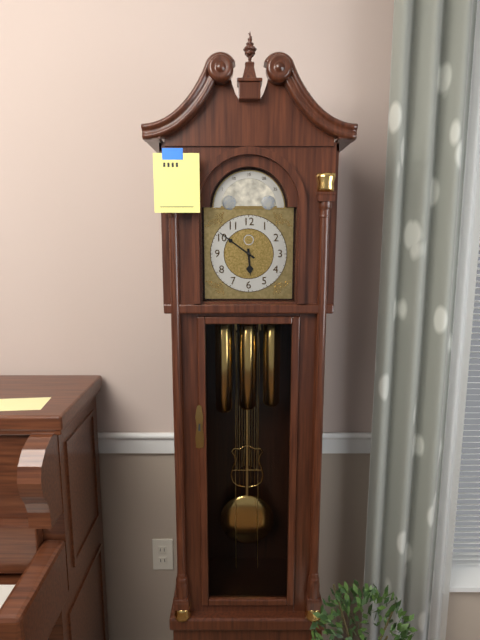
5:51
